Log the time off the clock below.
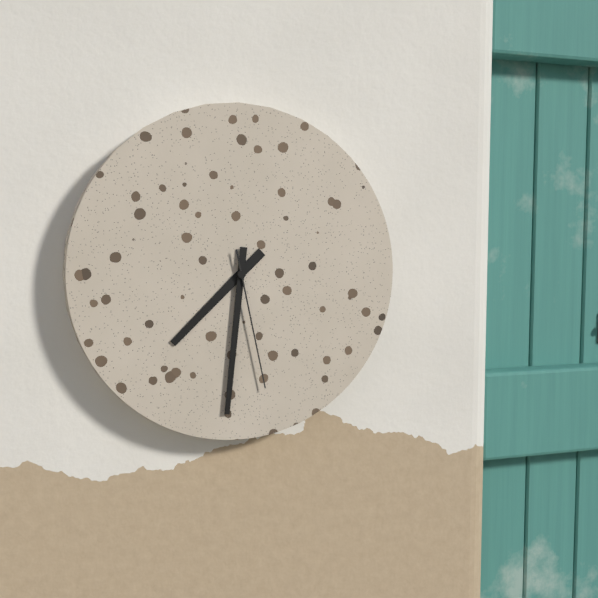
7:31:28
